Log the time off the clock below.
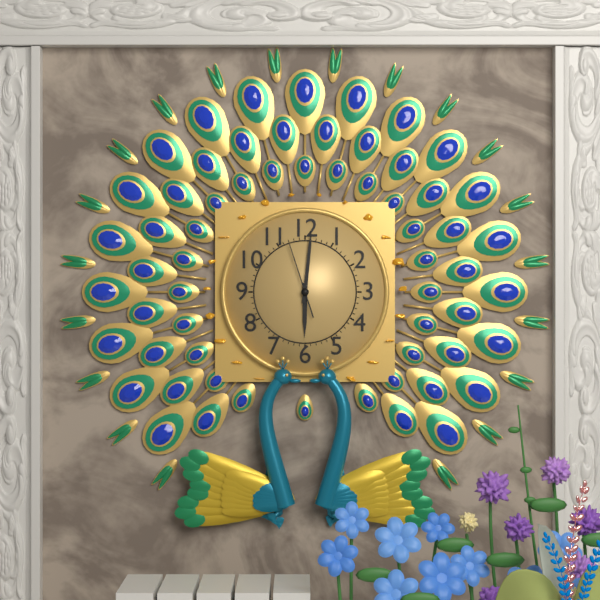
6:01:57
